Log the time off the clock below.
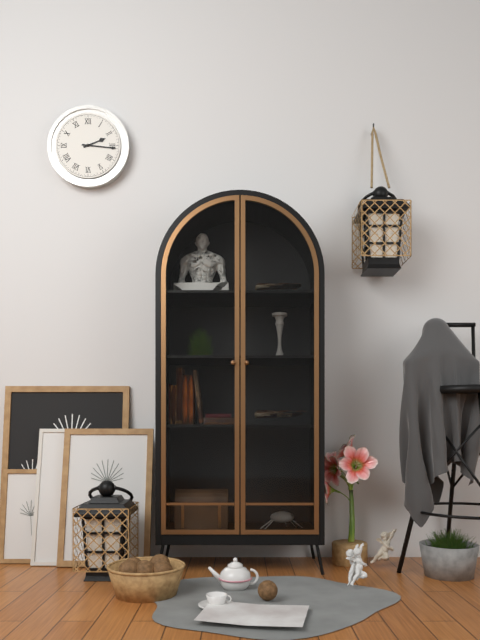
2:16
